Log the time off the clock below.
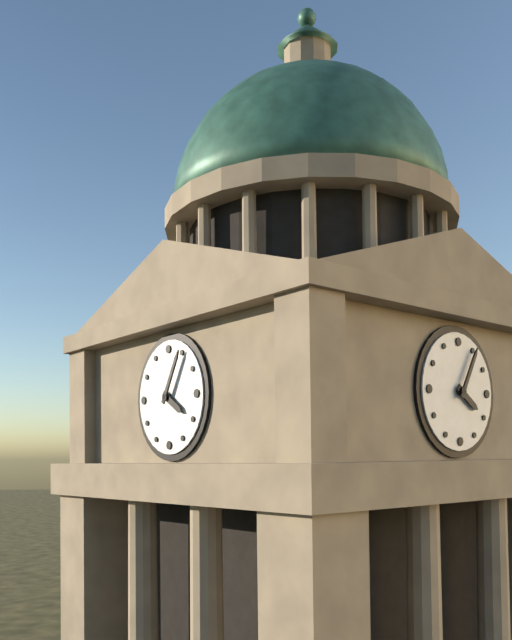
4:05
